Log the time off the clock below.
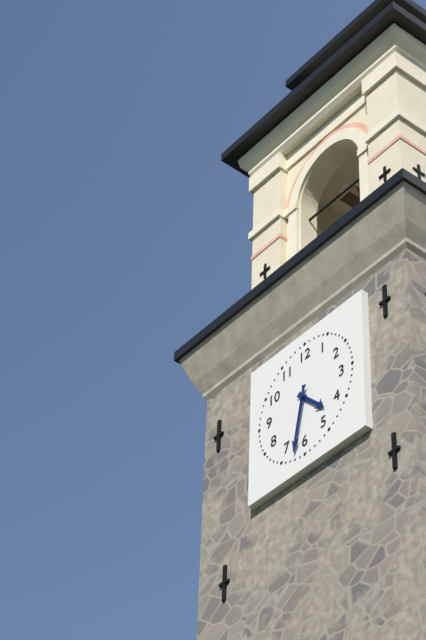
4:32
